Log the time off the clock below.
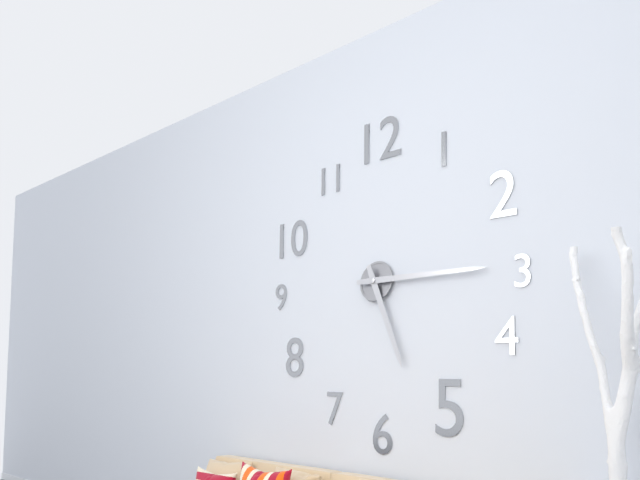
5:15
